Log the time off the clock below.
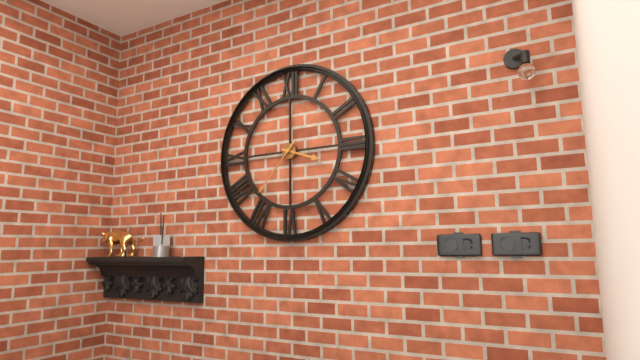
3:37
